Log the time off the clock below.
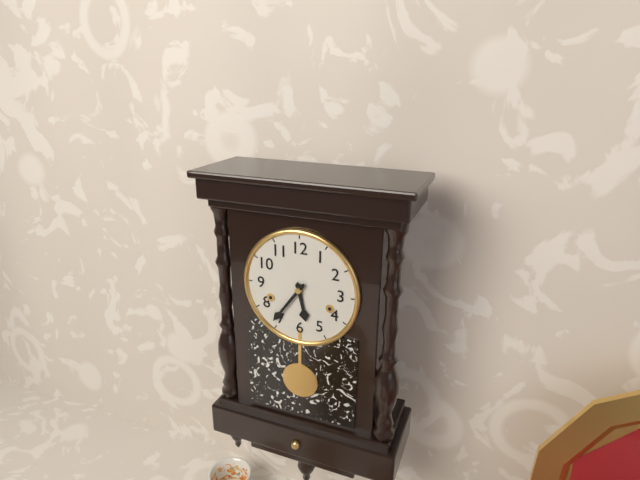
5:36
